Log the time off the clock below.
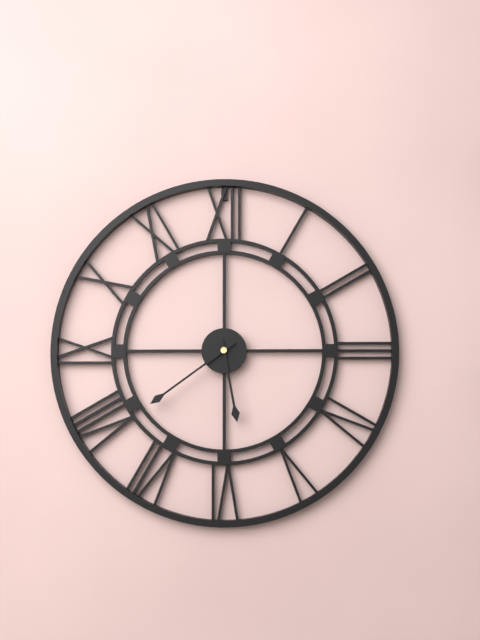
5:39
